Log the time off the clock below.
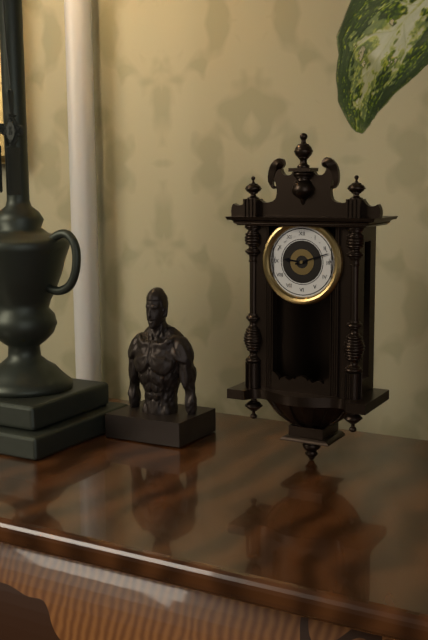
9:12
